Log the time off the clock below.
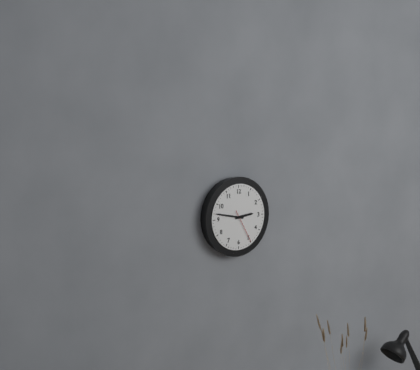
2:47
